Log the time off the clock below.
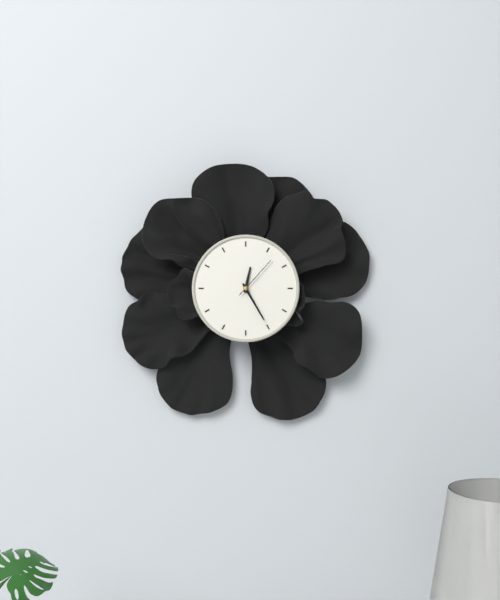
12:25
